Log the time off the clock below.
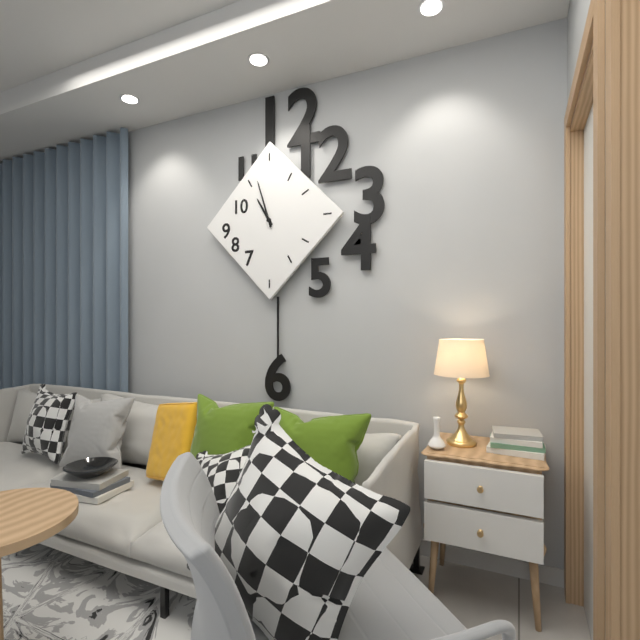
10:57
